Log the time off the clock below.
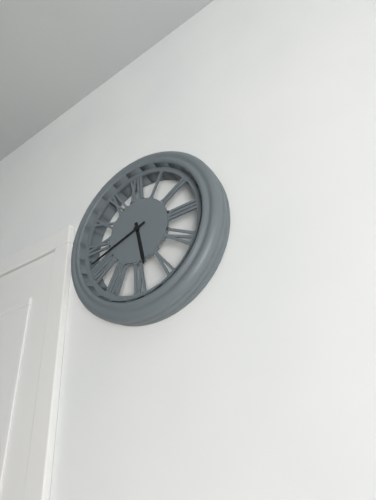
5:42
